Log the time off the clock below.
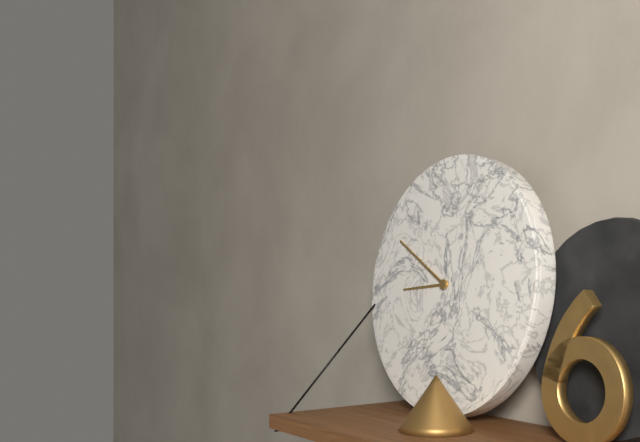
8:50
